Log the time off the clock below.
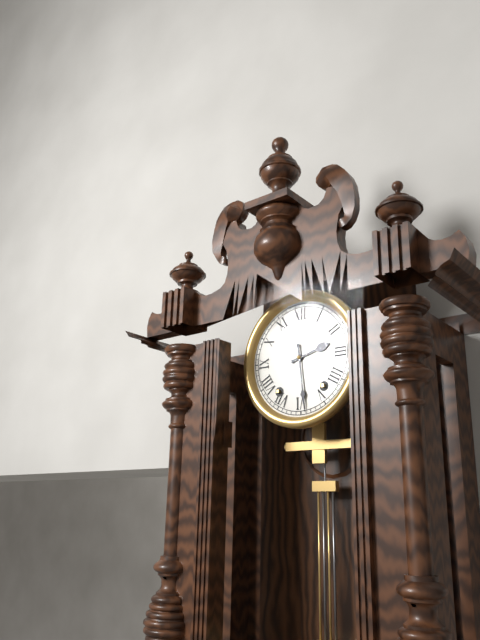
2:29
